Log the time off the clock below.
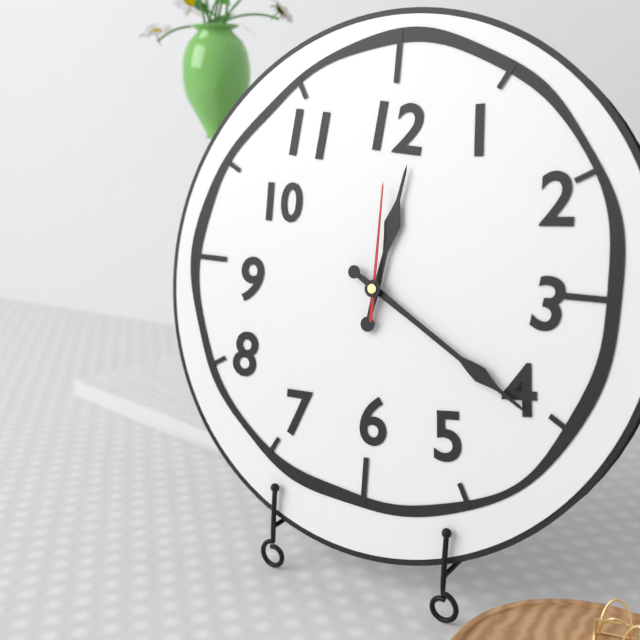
12:20:00
